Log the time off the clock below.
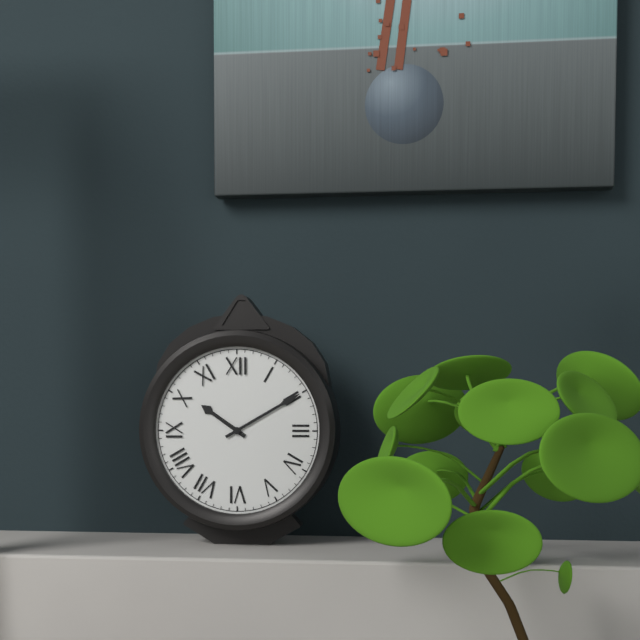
10:10
